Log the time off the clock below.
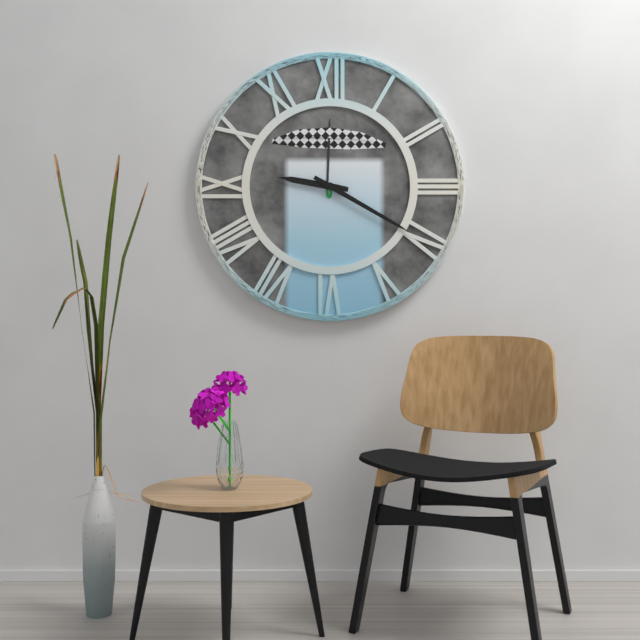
9:20
